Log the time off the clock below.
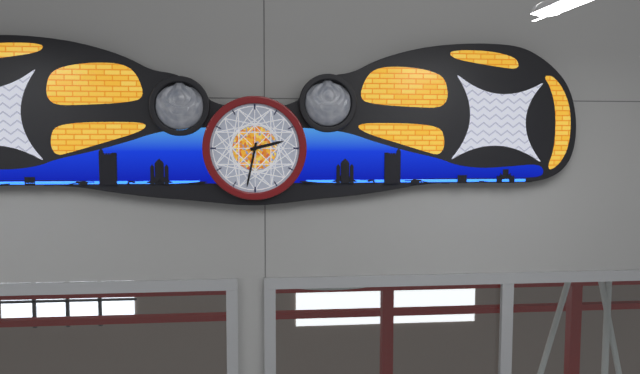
2:32
